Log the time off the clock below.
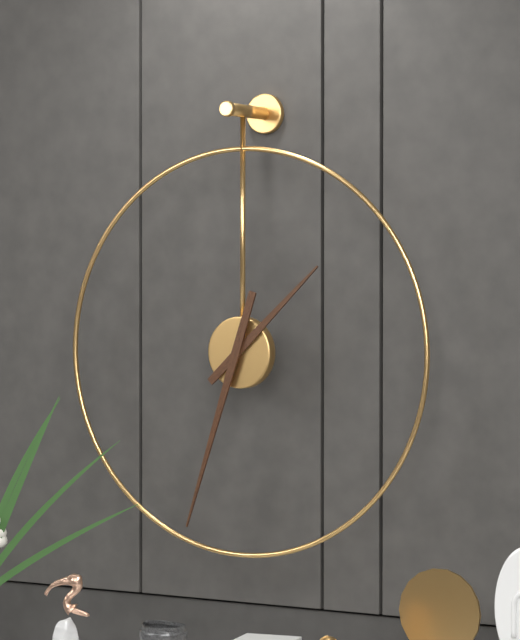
1:33
